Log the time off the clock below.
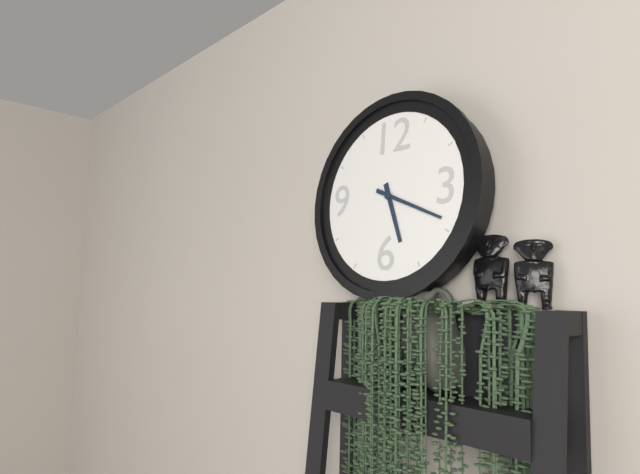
5:19
